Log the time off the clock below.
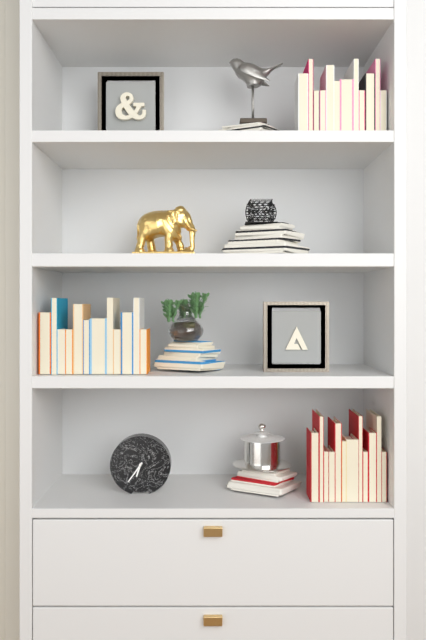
6:36
